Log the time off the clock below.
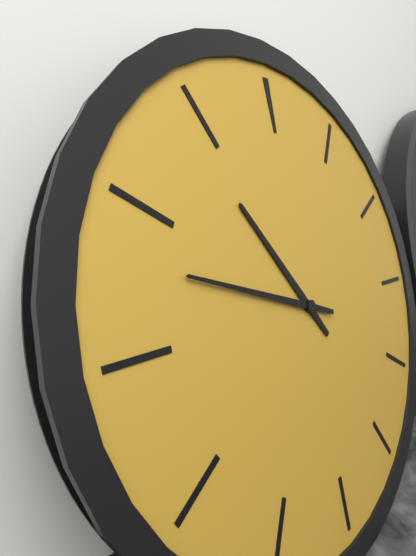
10:48
